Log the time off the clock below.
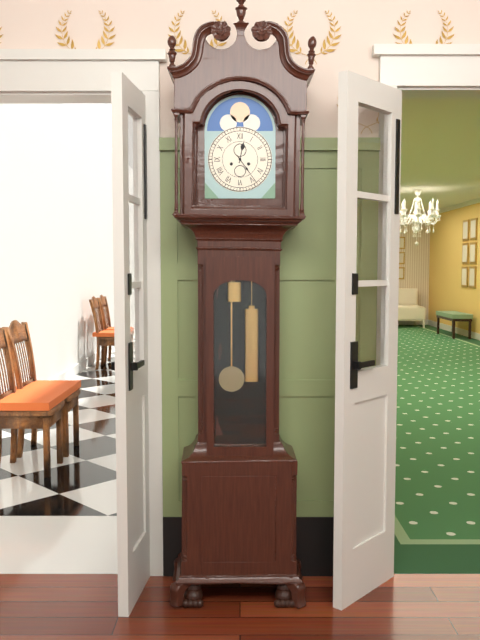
12:24
